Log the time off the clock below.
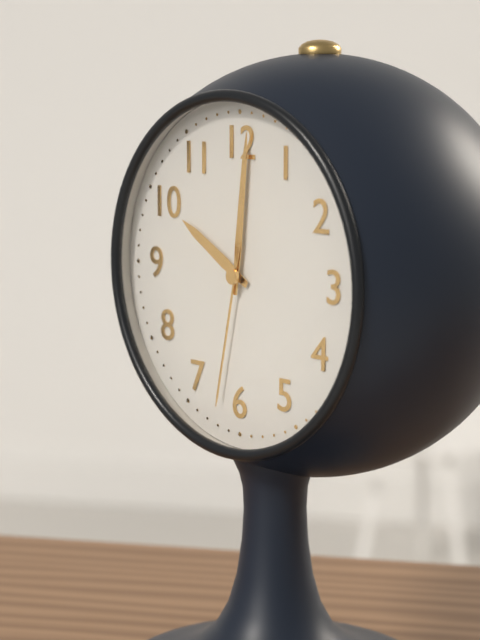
10:01:32
